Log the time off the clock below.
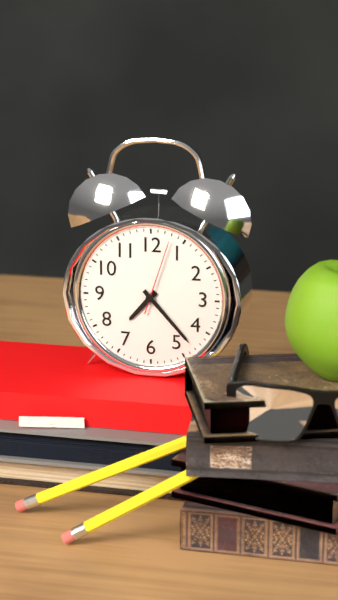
7:23:03
